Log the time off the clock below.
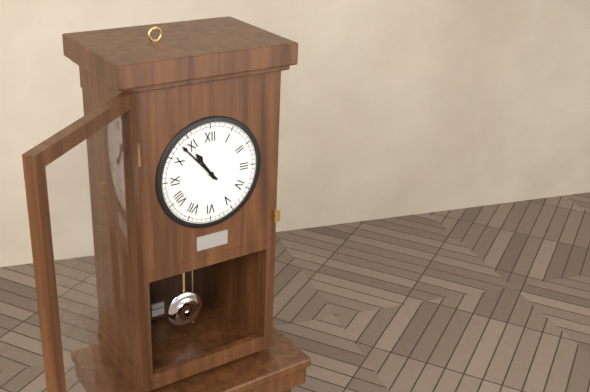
10:53
